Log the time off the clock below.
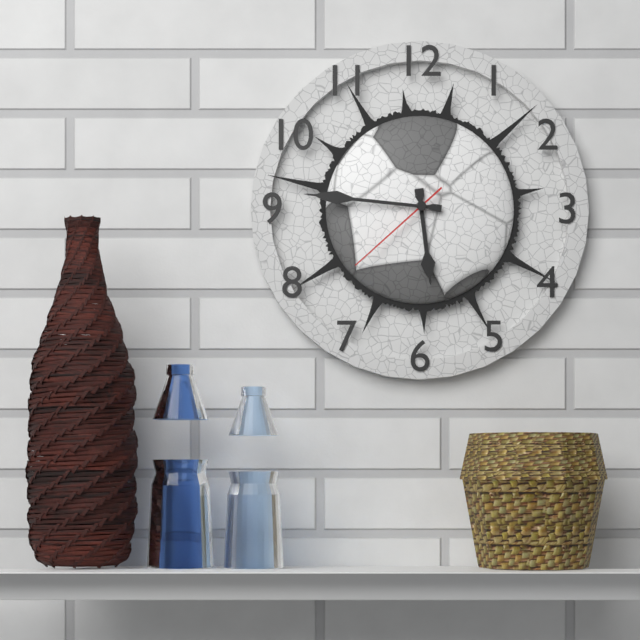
5:46:38
